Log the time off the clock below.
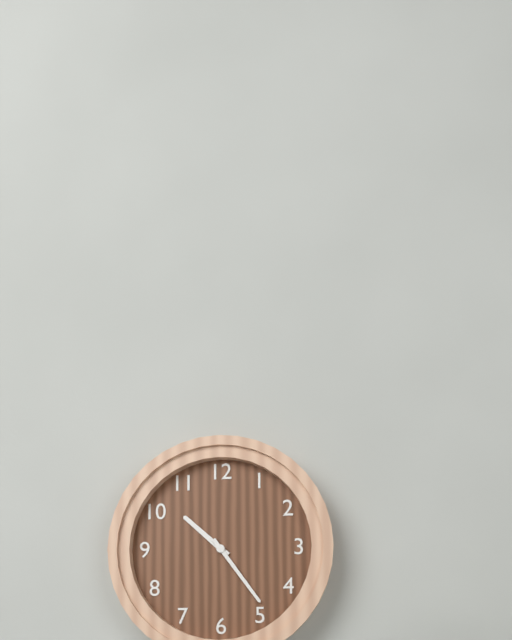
10:24
